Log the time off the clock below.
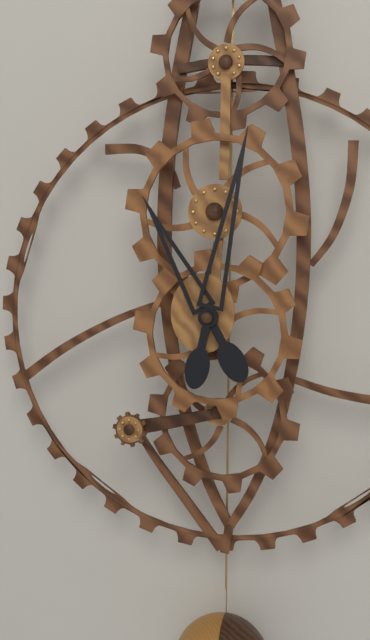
11:02
